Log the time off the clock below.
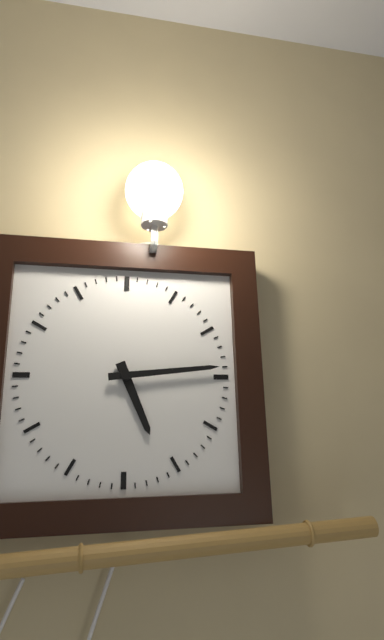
5:14
